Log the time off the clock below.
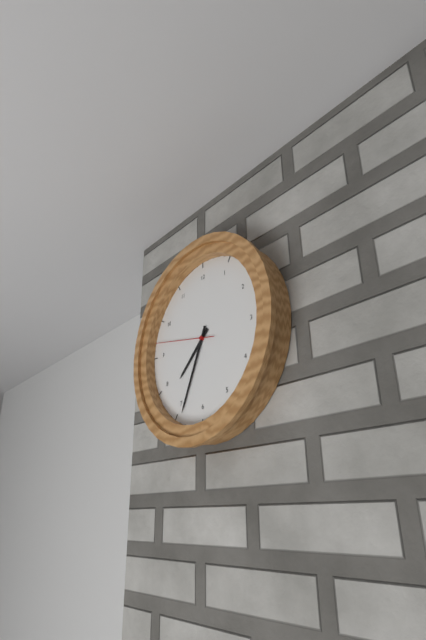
7:34:47
